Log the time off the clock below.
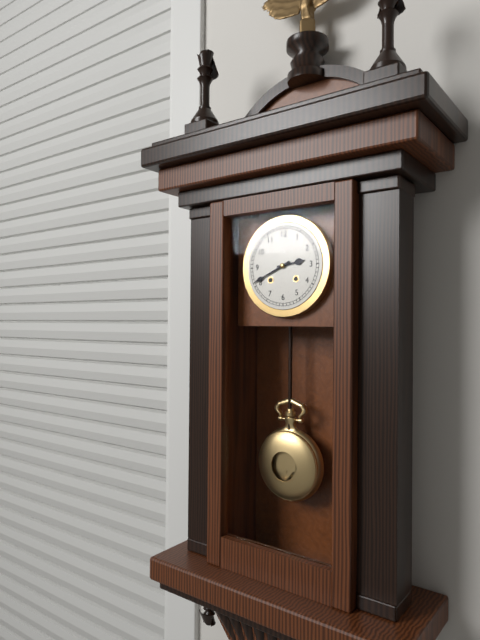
2:41
